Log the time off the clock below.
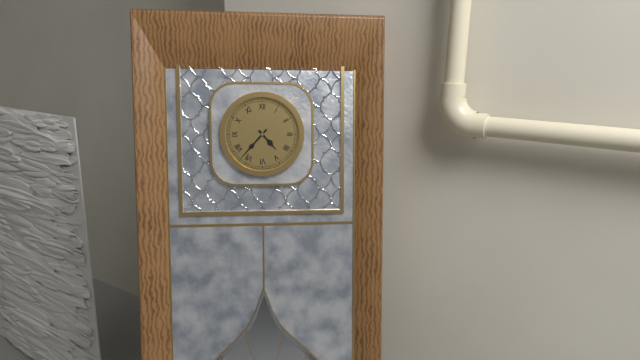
4:37
